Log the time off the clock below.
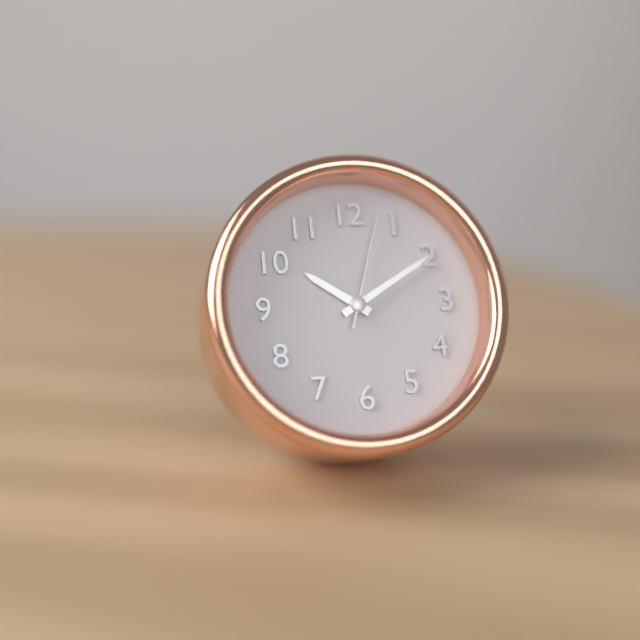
10:10:03
